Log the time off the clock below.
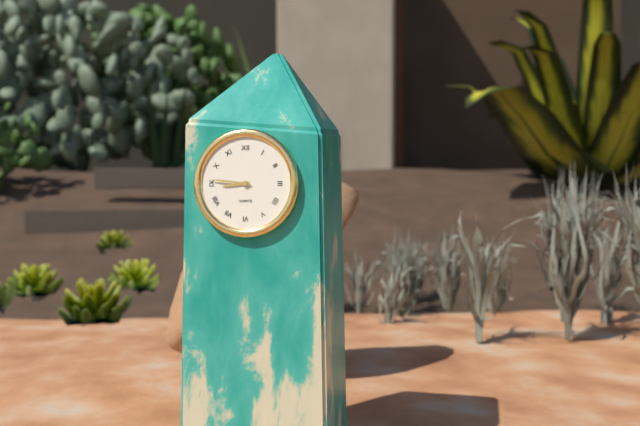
8:46
